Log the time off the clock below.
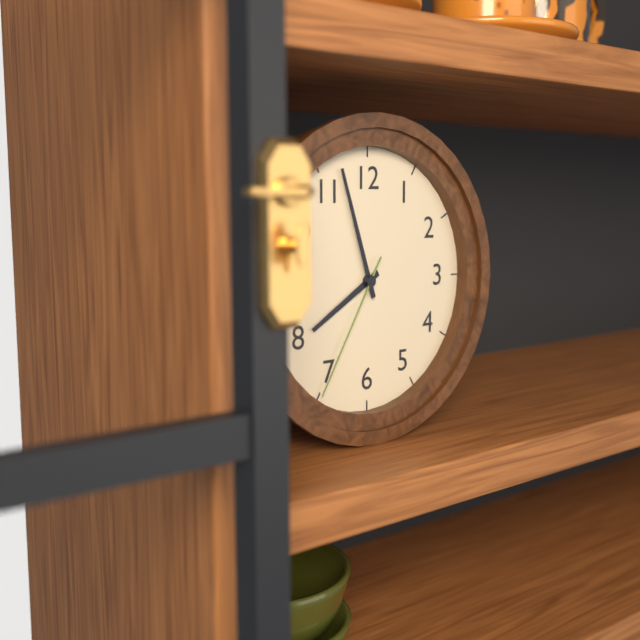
7:57:35
